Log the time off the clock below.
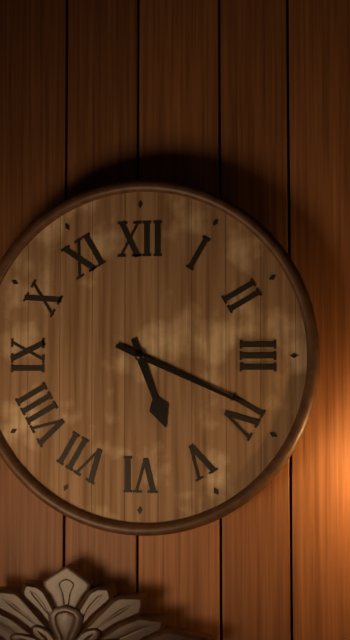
5:19
